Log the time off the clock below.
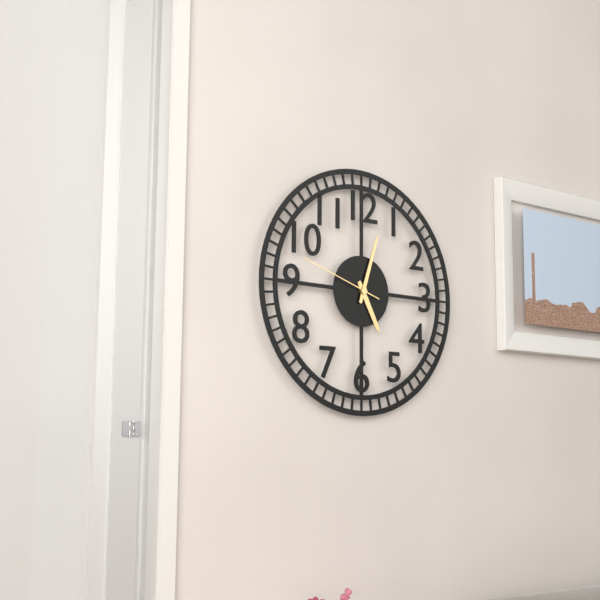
5:03:48
